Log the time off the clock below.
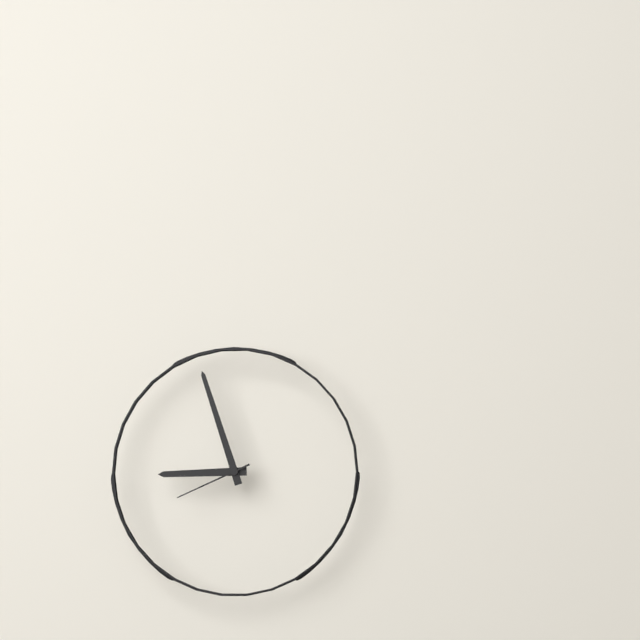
8:57:41
